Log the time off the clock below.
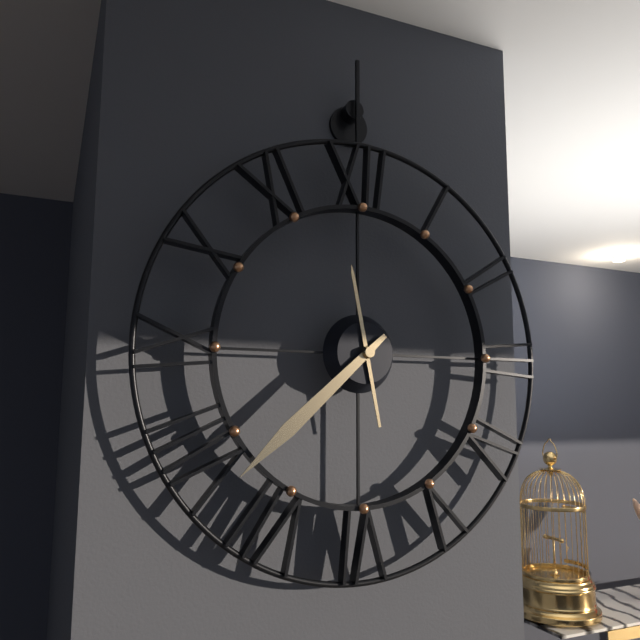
11:38
